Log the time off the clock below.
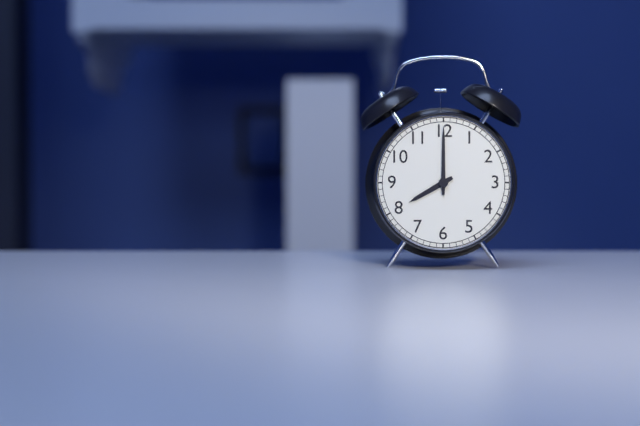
8:00
